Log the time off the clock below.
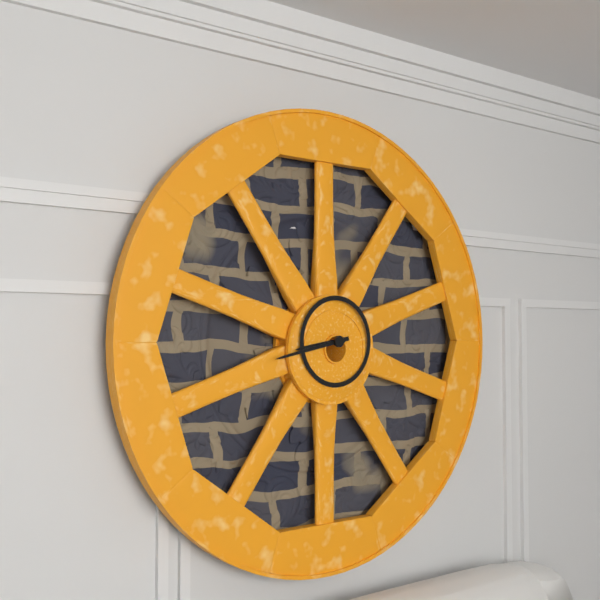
8:43
